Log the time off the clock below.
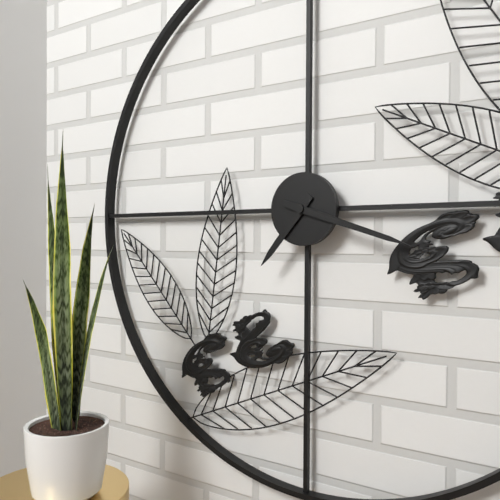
7:18
